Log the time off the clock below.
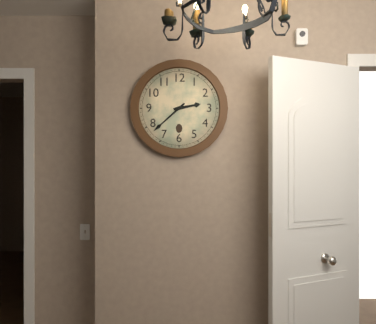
2:38
